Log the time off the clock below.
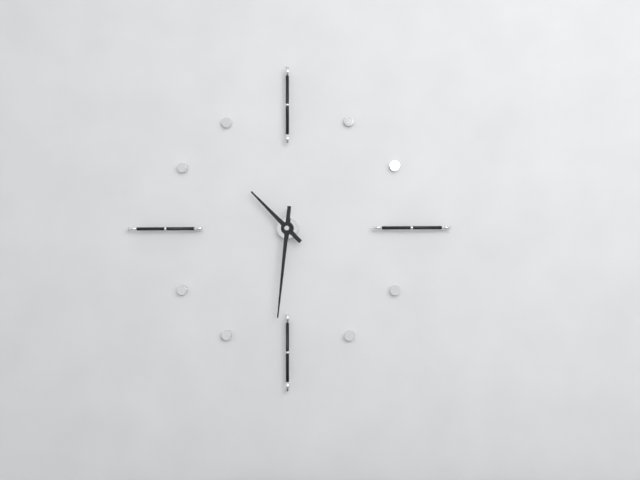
10:31
